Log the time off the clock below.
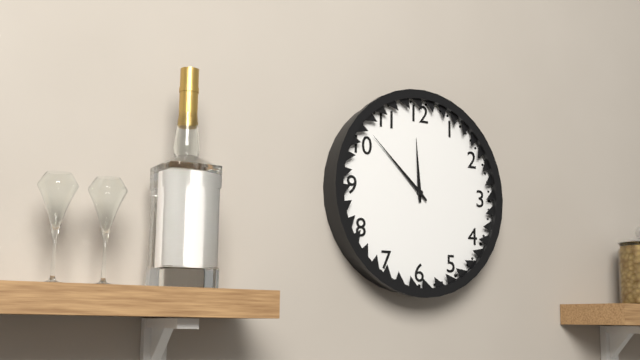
11:52
